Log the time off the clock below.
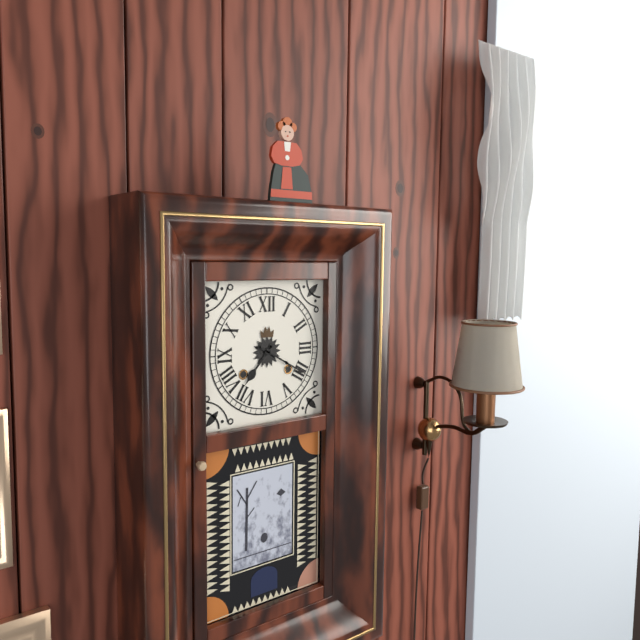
7:20
